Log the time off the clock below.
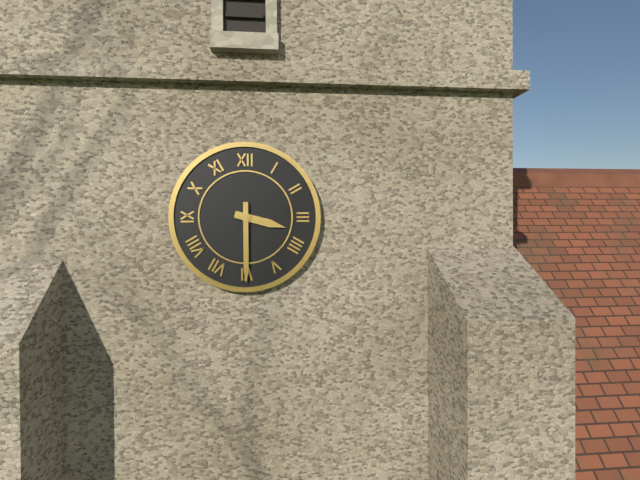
3:30
